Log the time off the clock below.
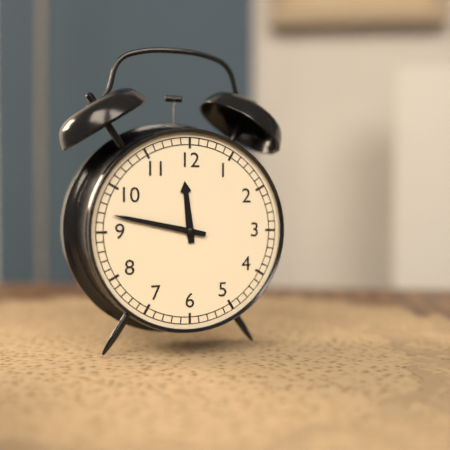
11:47
